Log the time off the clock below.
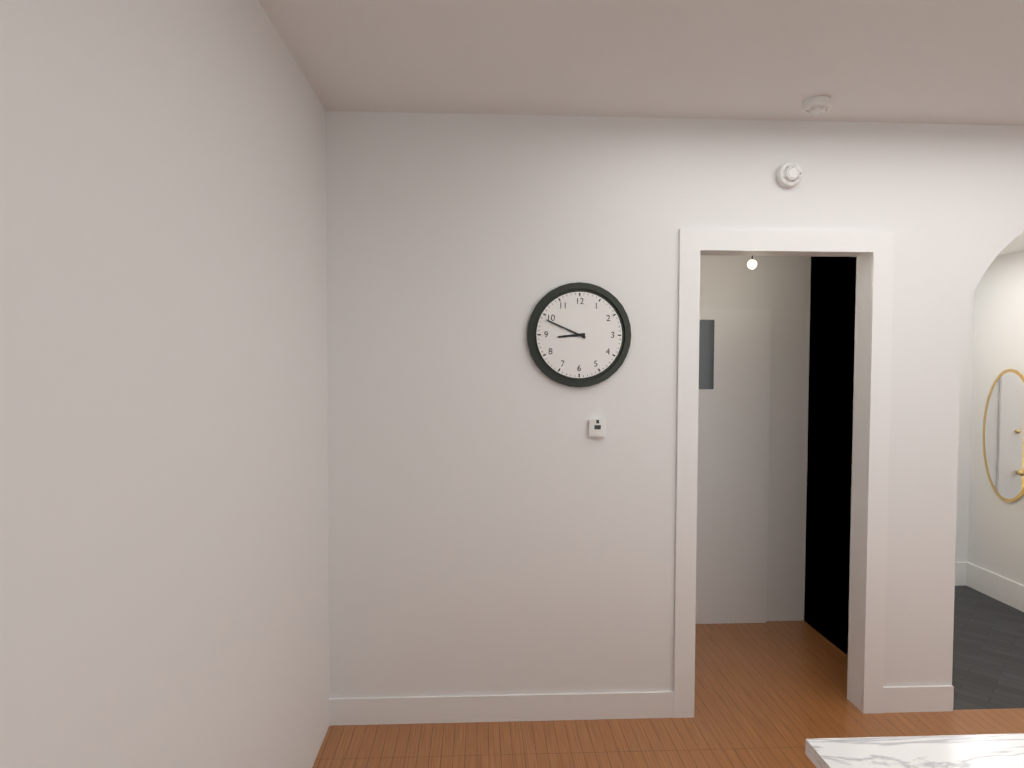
8:49
